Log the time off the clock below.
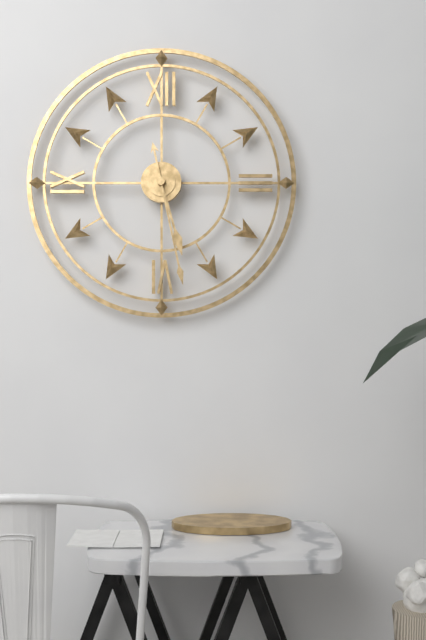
5:28
